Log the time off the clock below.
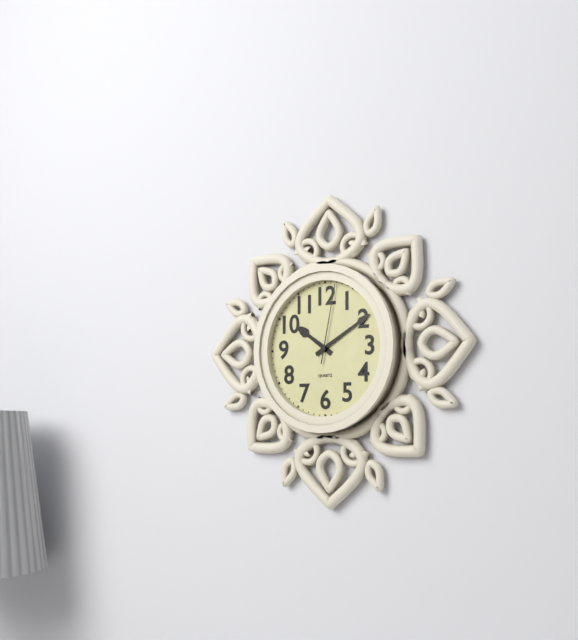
10:10:02
